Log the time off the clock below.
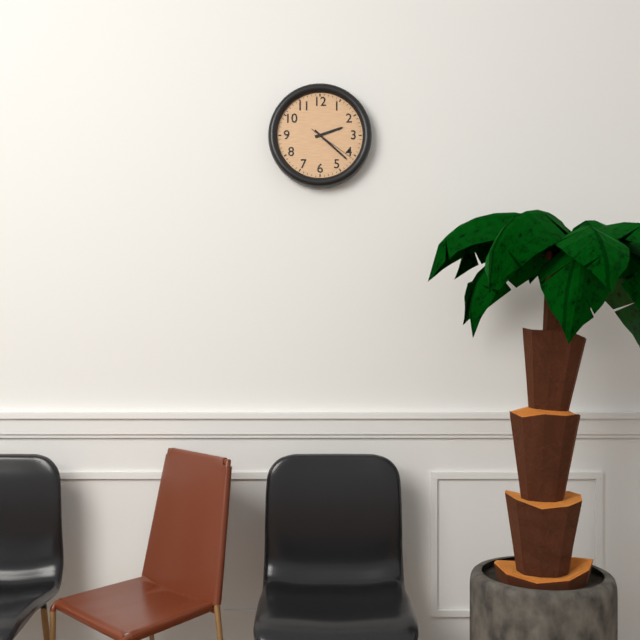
2:22
